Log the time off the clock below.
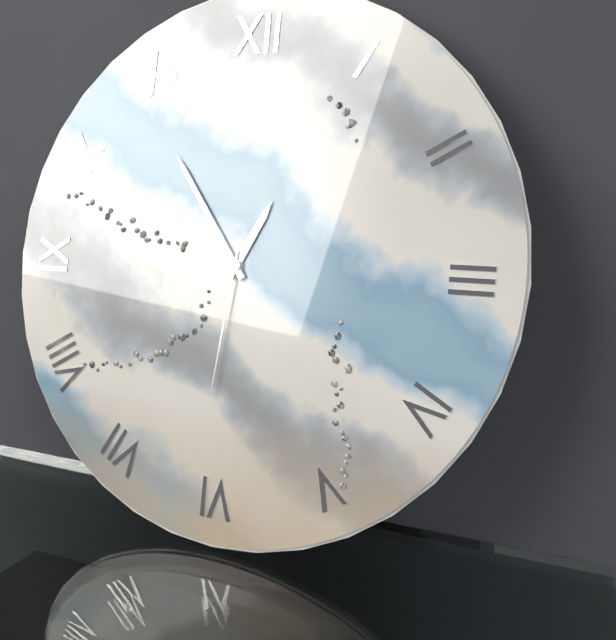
12:54:31
